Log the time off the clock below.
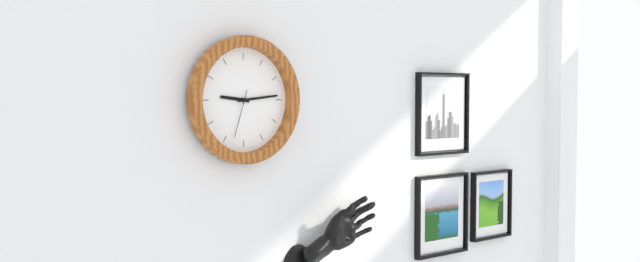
9:14
